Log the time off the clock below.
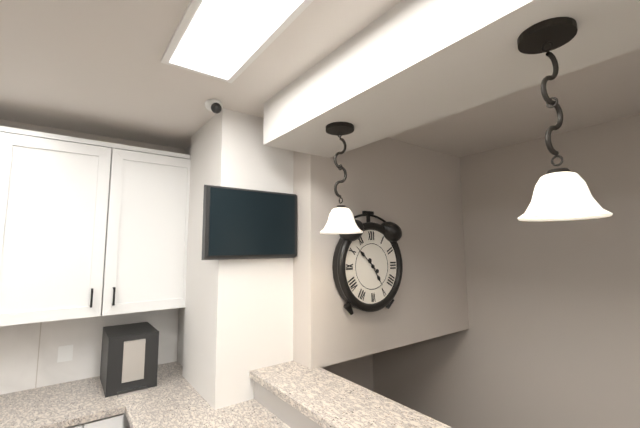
4:52
